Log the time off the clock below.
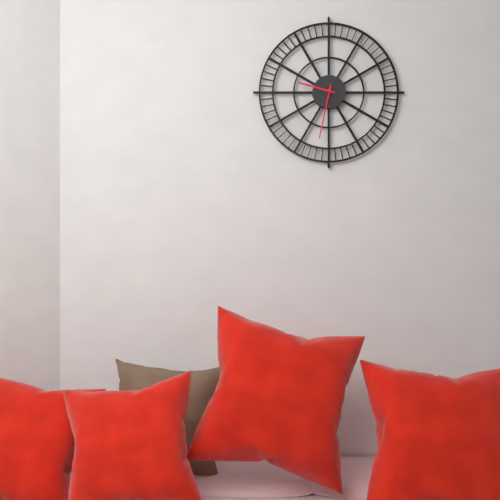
9:32
